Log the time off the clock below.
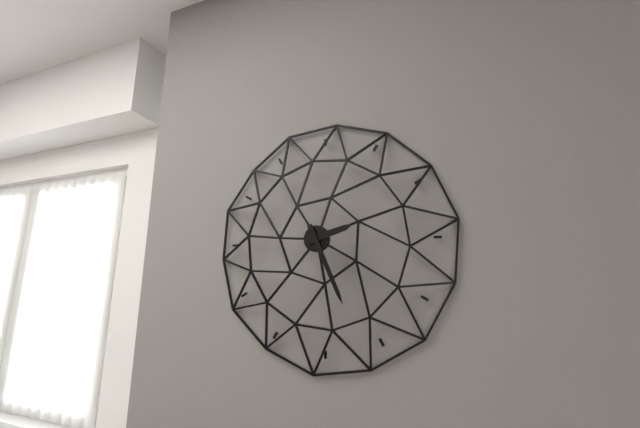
2:26
